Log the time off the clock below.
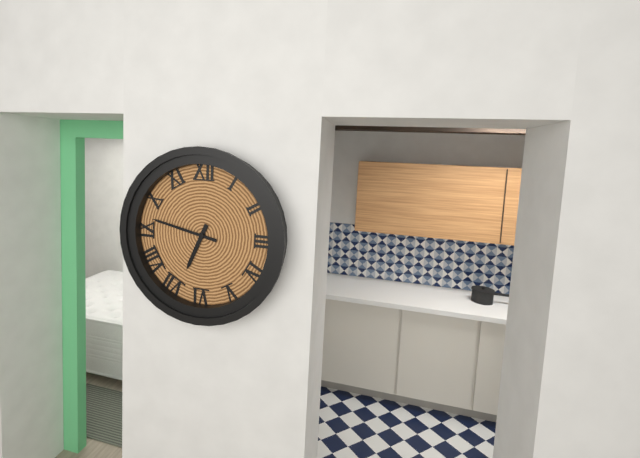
6:47
